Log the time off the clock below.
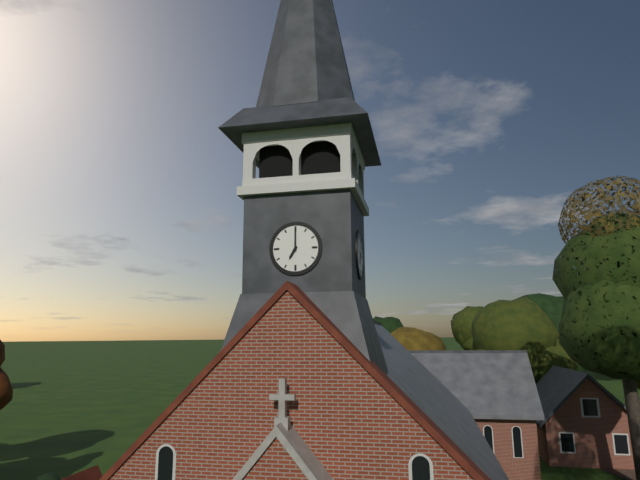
7:00
